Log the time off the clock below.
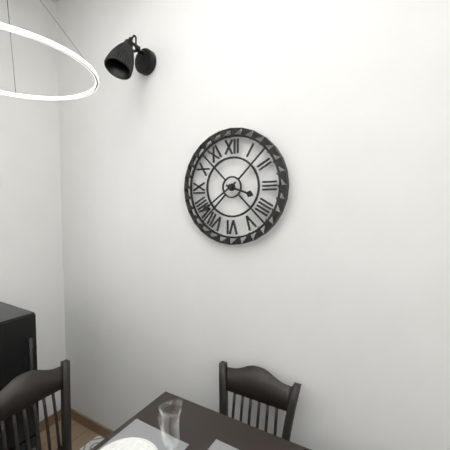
3:39
